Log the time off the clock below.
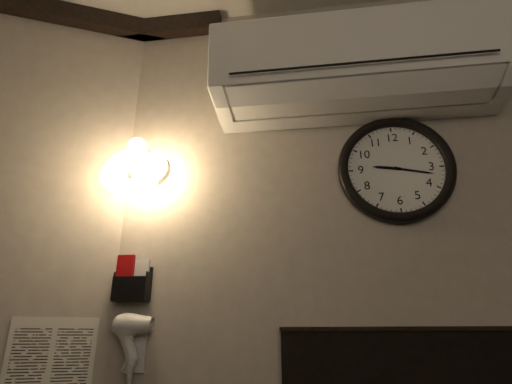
9:17
